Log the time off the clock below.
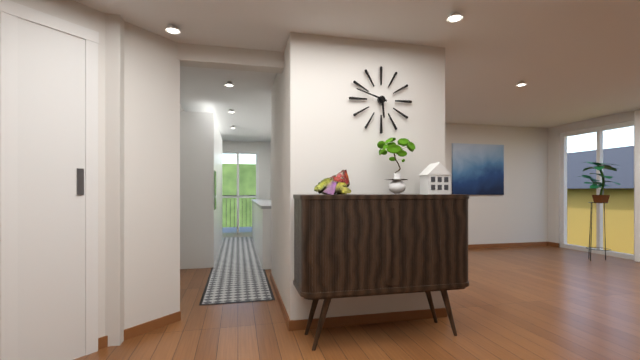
5:48
